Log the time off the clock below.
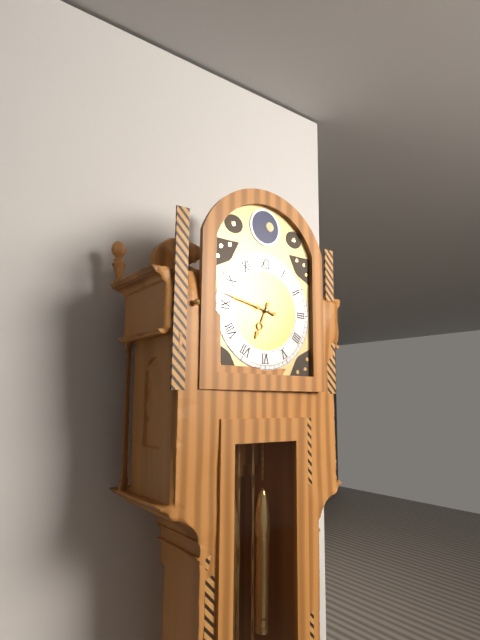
6:47
